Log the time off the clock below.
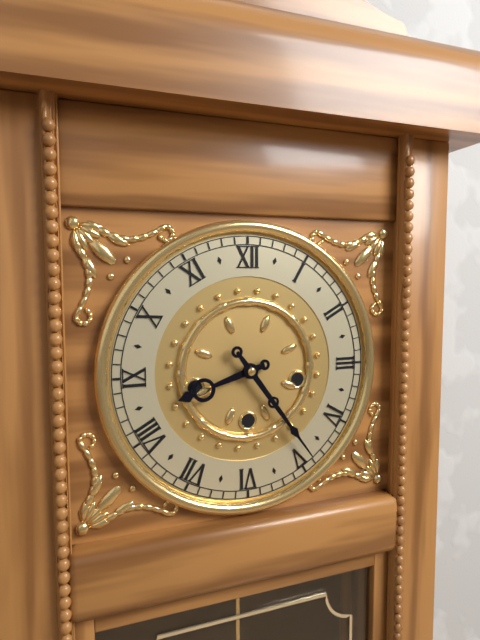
8:24
